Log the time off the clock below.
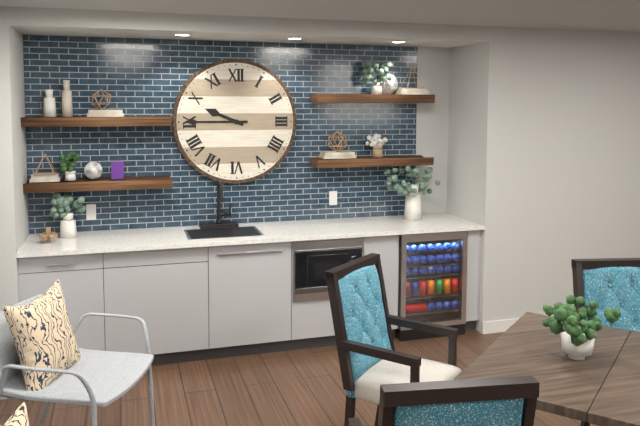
9:45
